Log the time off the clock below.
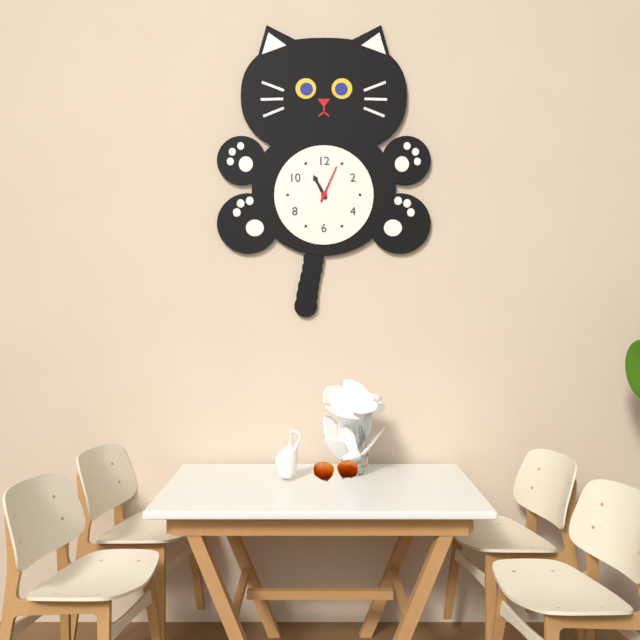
11:04
